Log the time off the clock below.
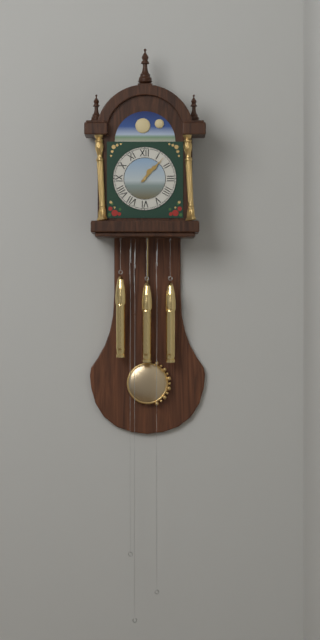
1:07
